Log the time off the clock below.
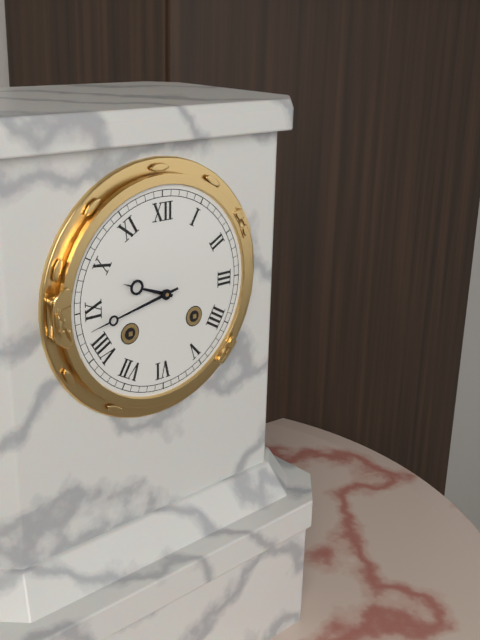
9:43
